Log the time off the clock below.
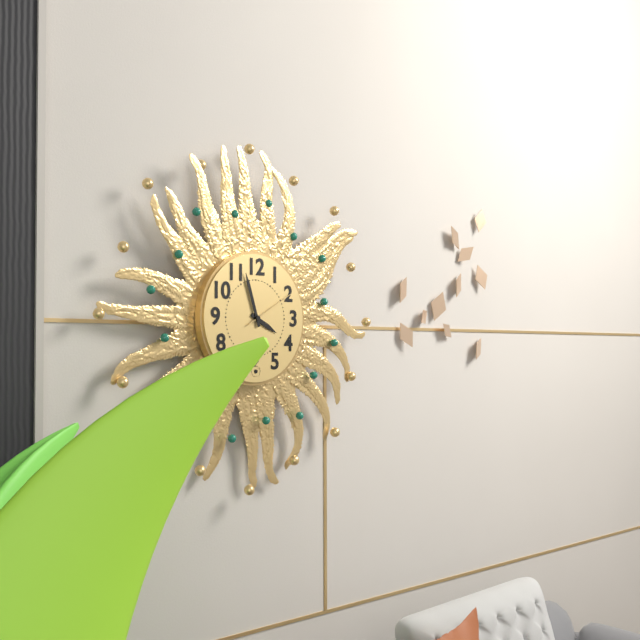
3:57:10
